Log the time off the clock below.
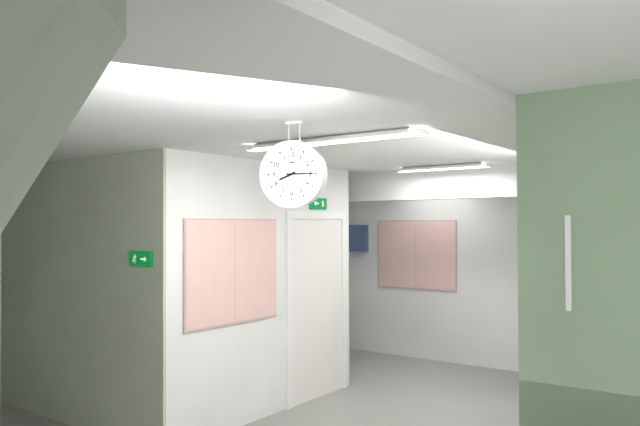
8:15
